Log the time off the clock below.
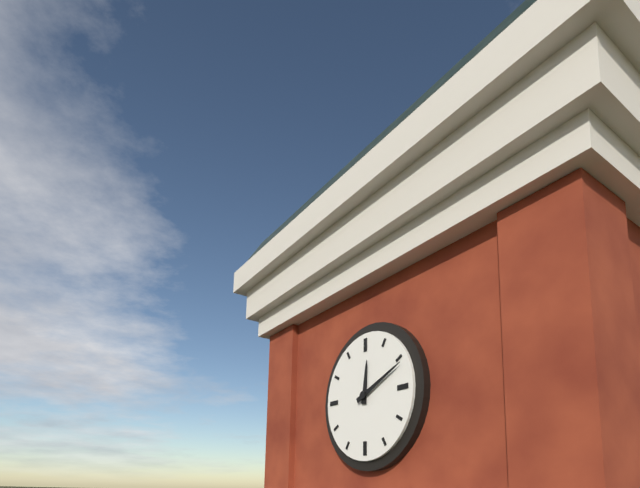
12:11
